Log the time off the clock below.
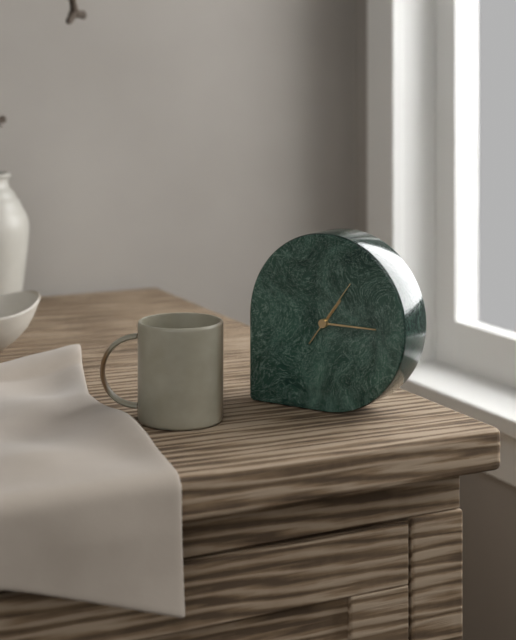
1:15:06
